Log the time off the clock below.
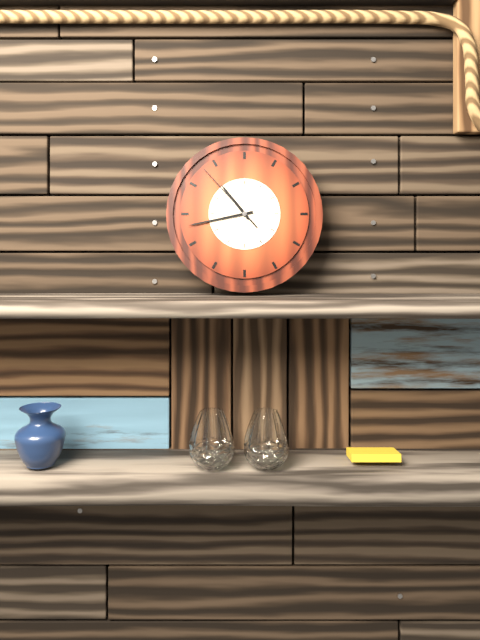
10:43:53
